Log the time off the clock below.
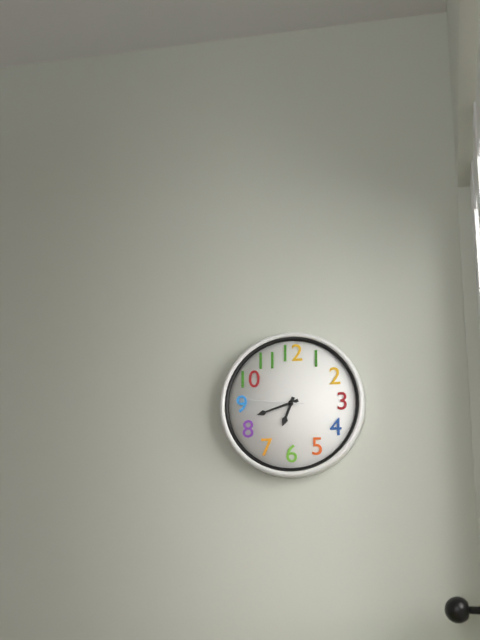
6:42:46
